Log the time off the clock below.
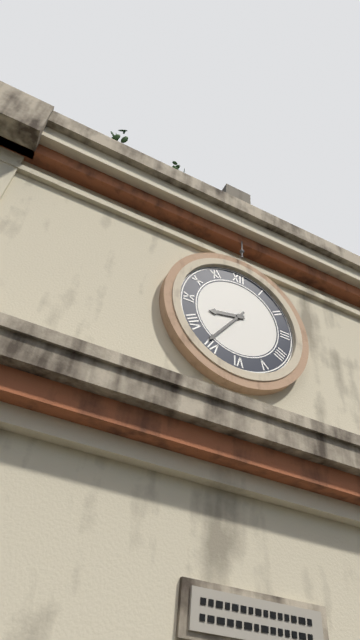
8:36
